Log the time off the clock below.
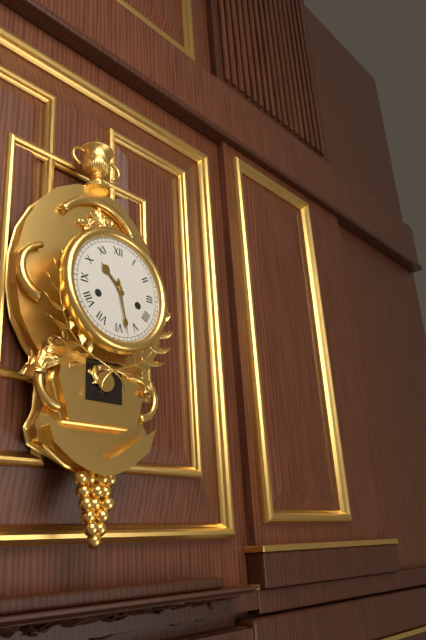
10:28
